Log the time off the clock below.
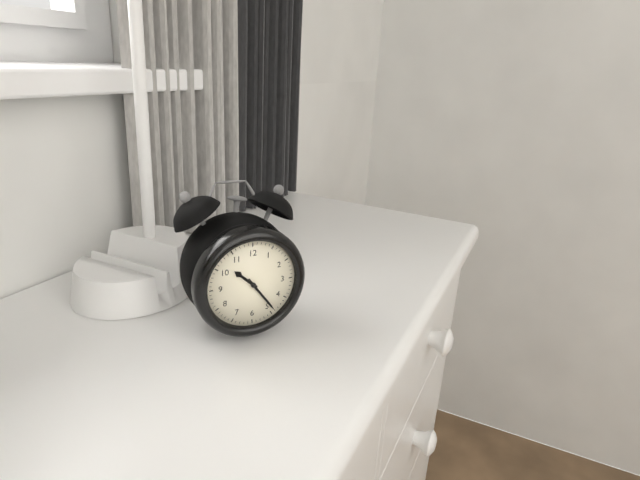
10:24
